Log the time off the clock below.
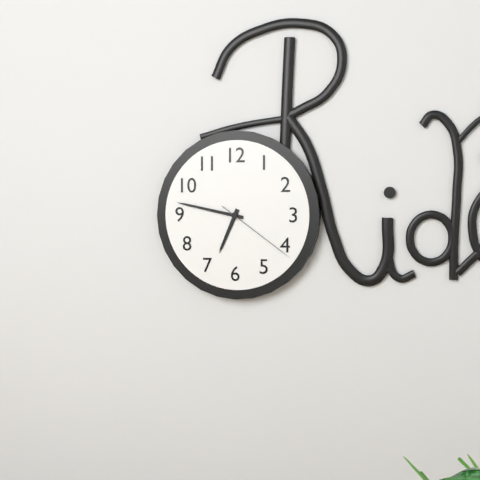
6:47:21
